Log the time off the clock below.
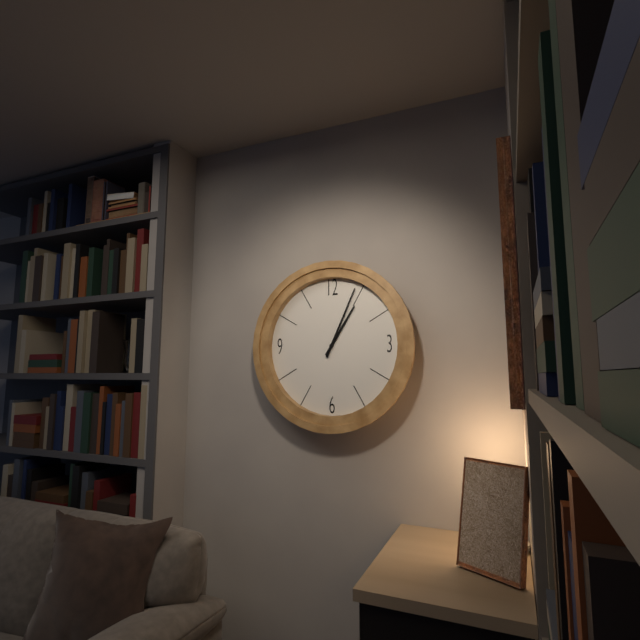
1:04
